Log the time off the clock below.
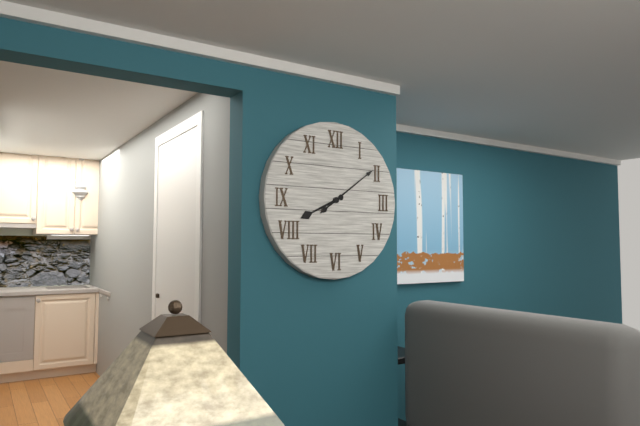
8:09
